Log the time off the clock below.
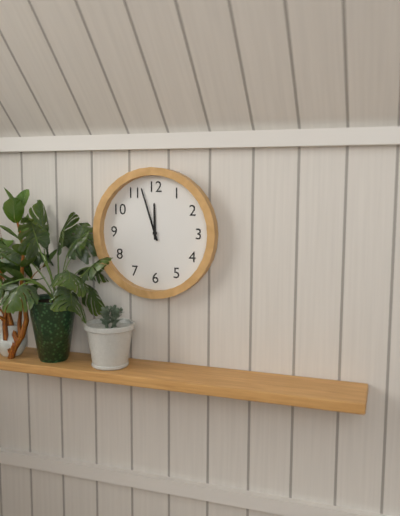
11:57
